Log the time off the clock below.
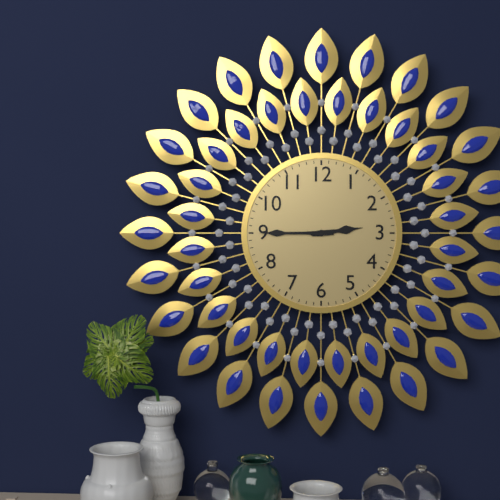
2:45
